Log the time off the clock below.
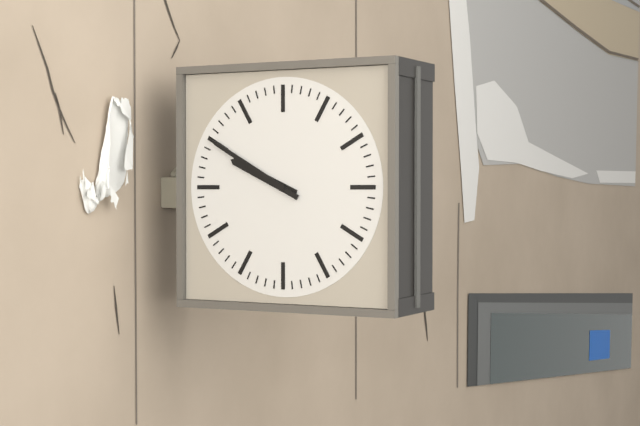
9:50
